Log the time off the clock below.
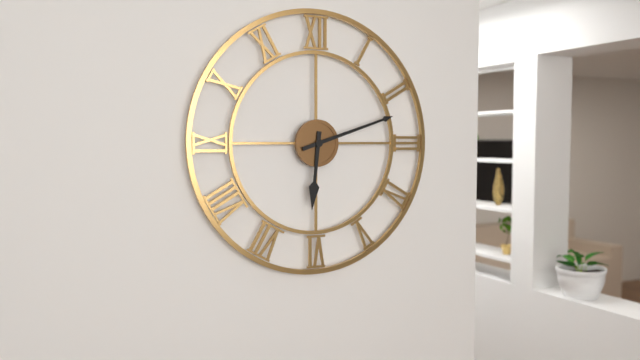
6:12
